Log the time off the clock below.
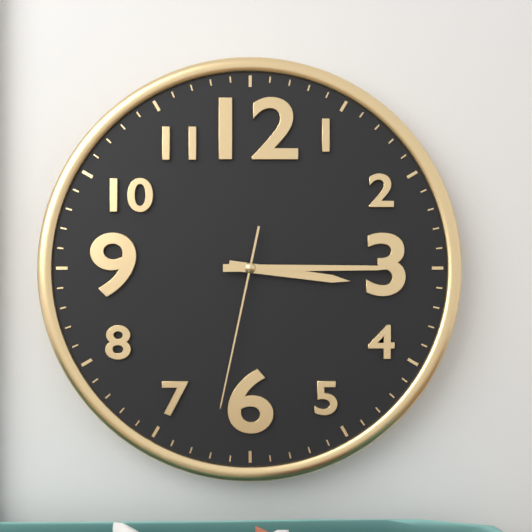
3:15:32
